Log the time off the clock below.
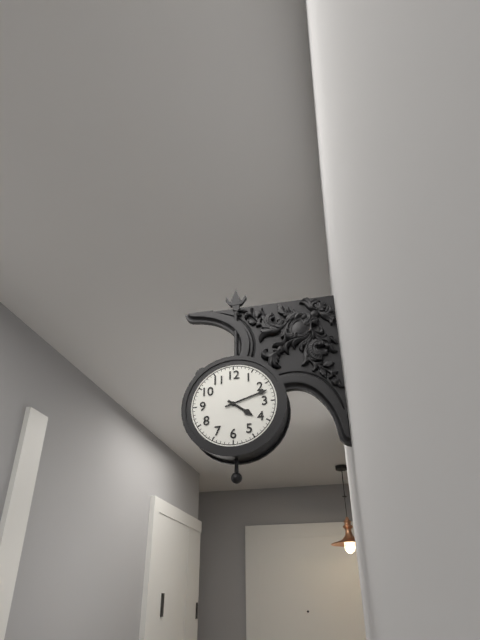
4:12
